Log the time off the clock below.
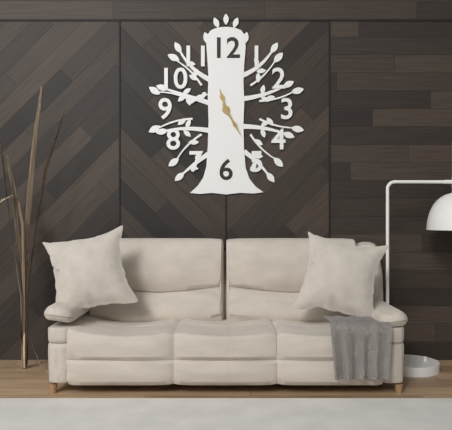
11:25
